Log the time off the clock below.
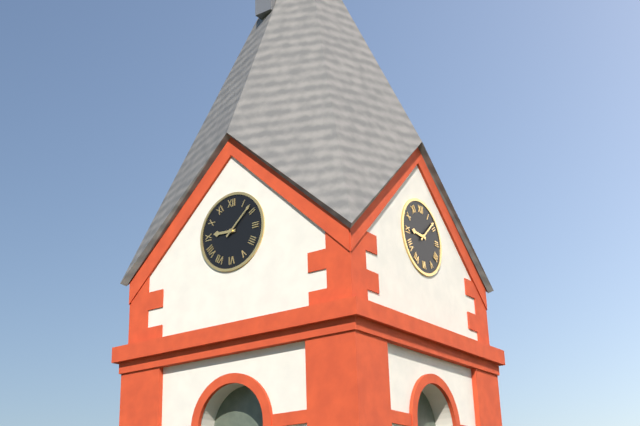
9:08
